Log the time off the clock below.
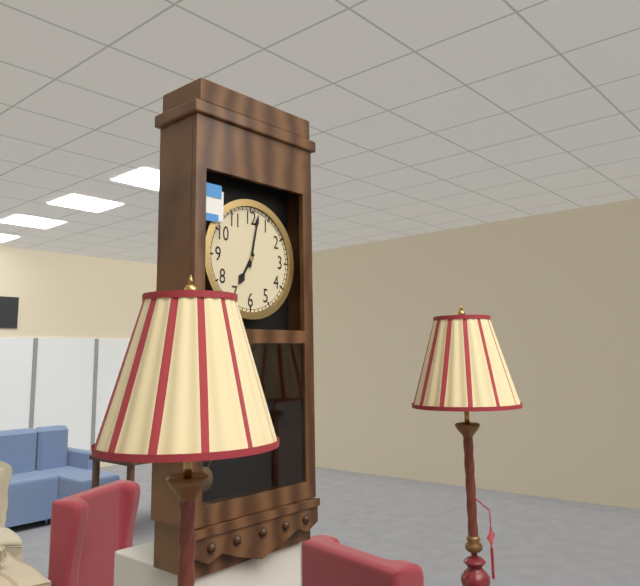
7:02
